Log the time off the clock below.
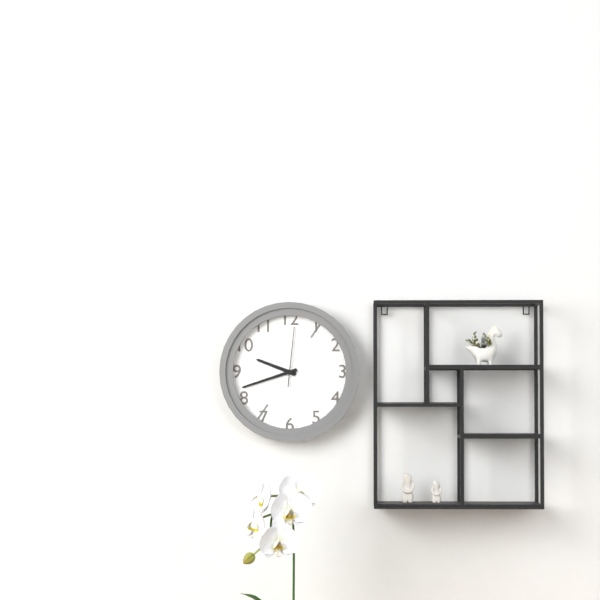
9:42:01
